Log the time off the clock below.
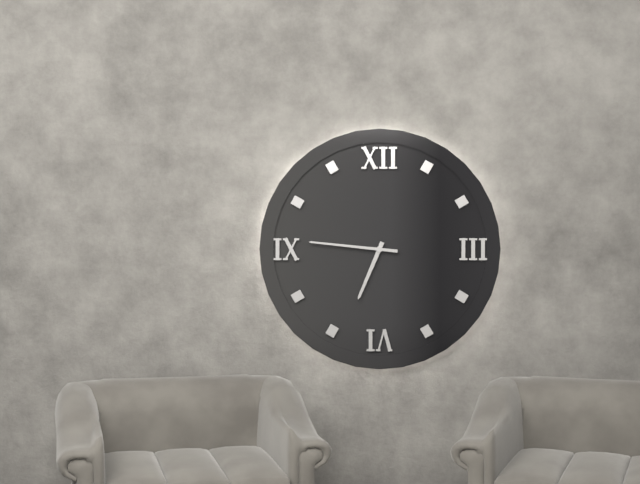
6:46
